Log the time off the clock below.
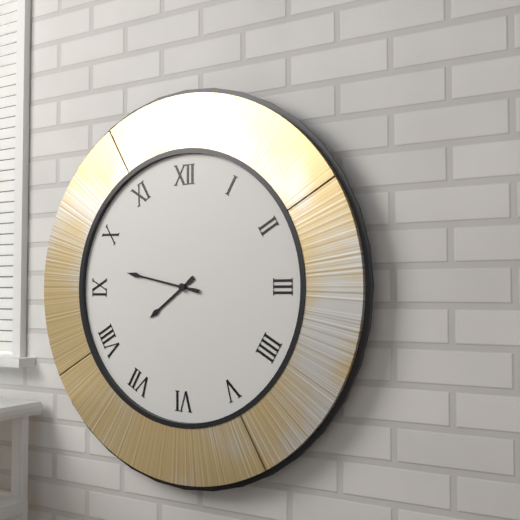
7:47
